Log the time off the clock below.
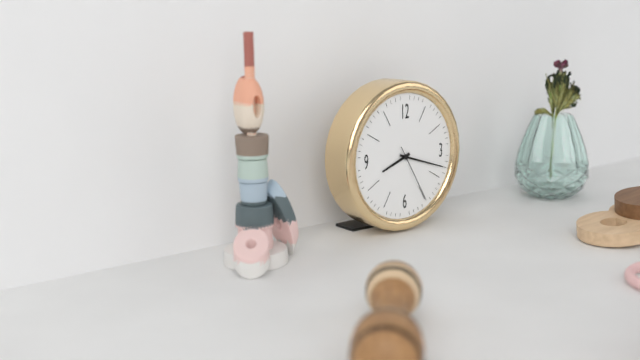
8:18:25
